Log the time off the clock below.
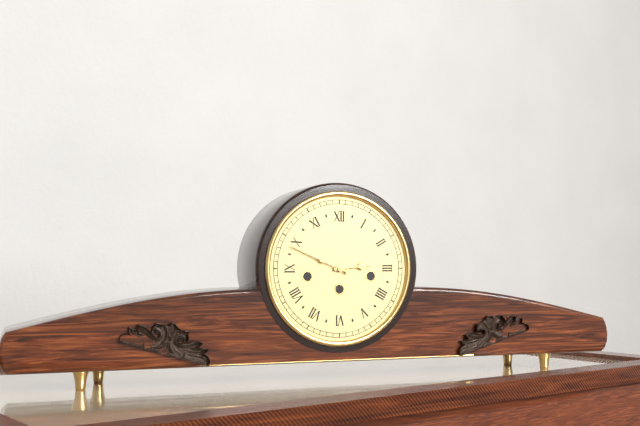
2:49
